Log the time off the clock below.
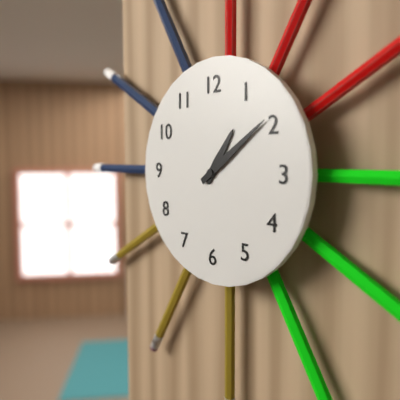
1:09
